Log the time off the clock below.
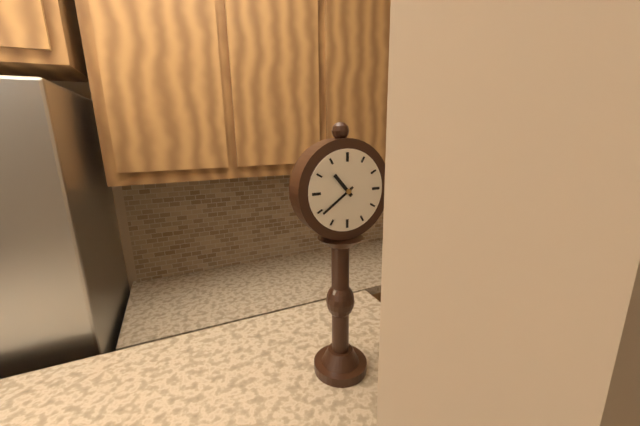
10:39
